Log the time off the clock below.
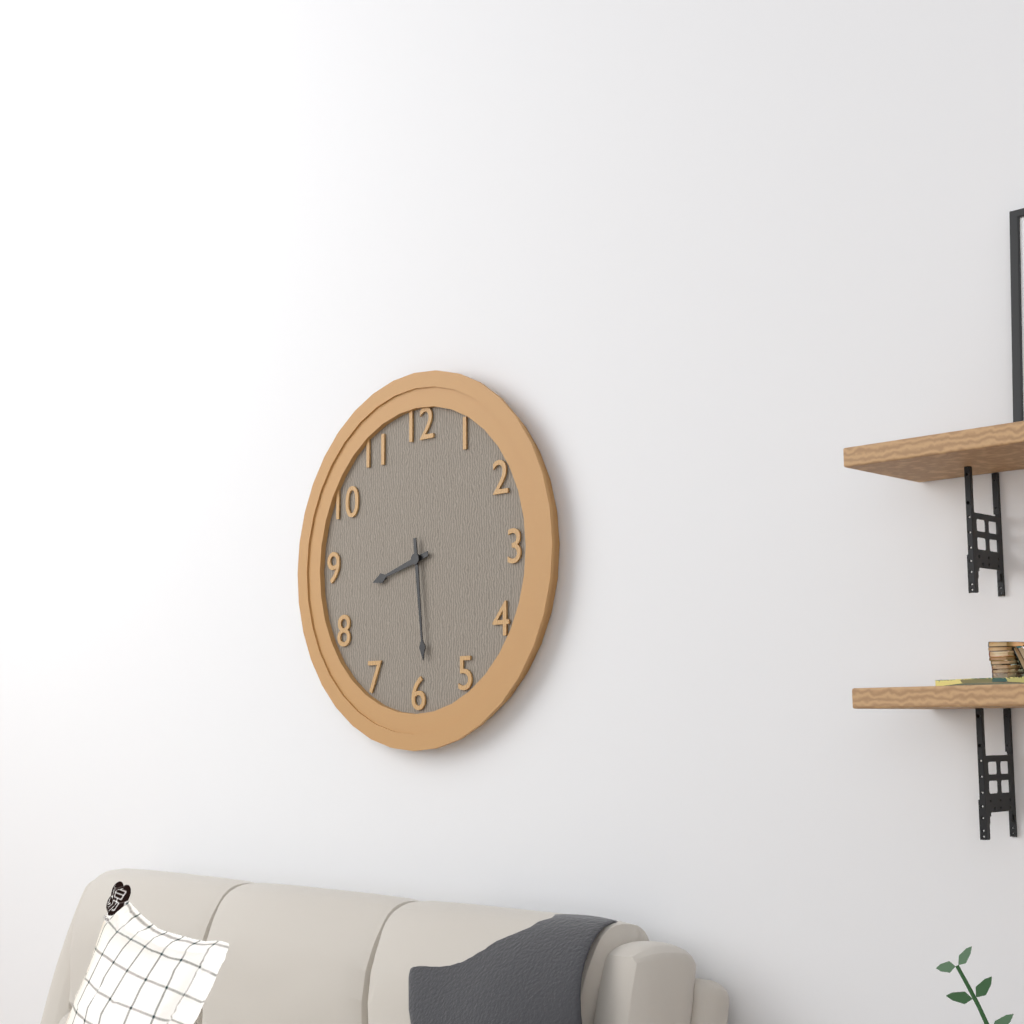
8:29
